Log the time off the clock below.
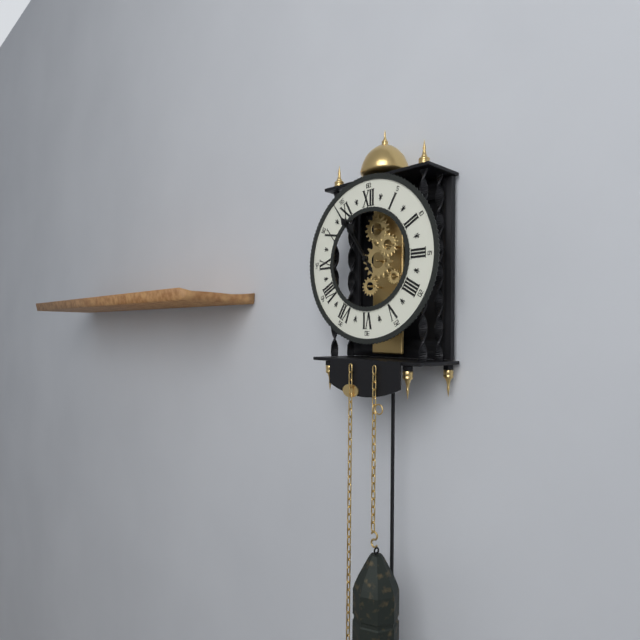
10:54
